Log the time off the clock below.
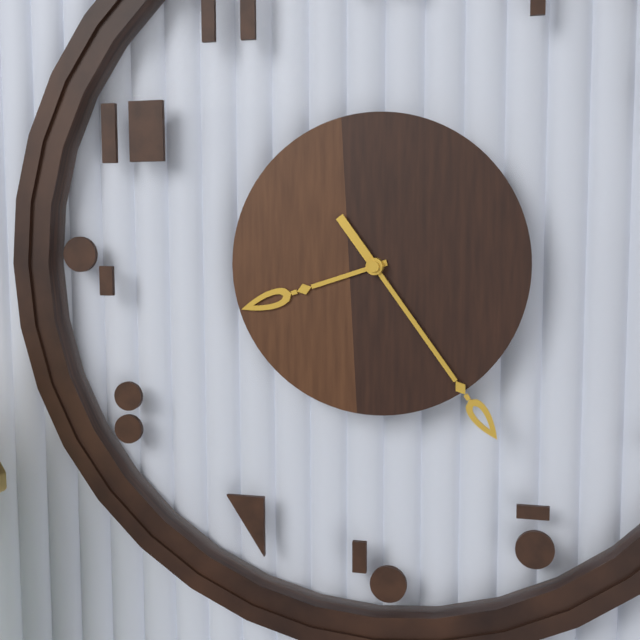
8:24
